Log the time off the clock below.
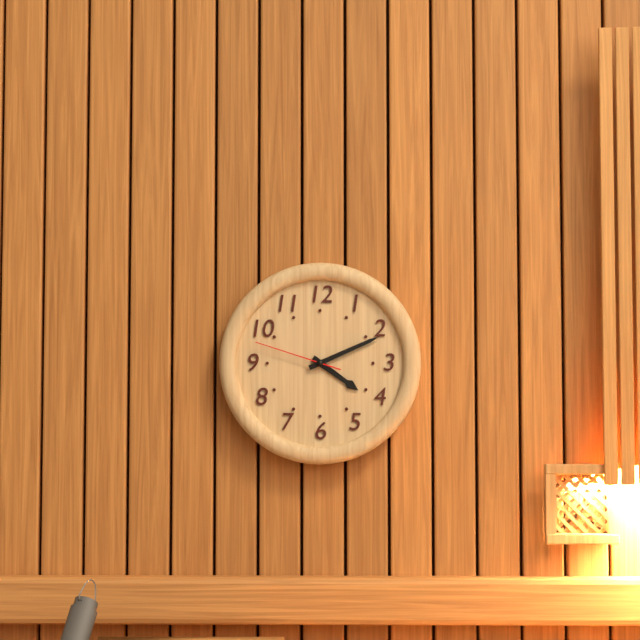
4:11:48
